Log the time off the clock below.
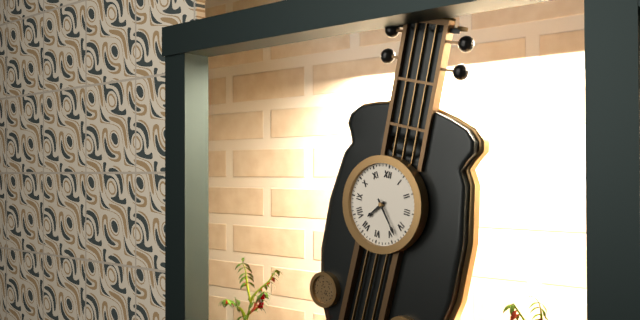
7:23
